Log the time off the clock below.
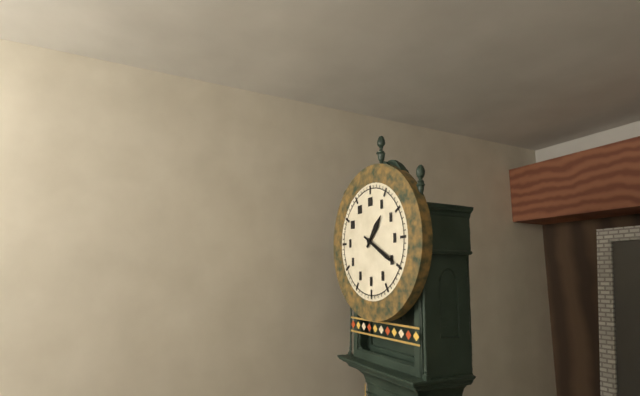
1:20
